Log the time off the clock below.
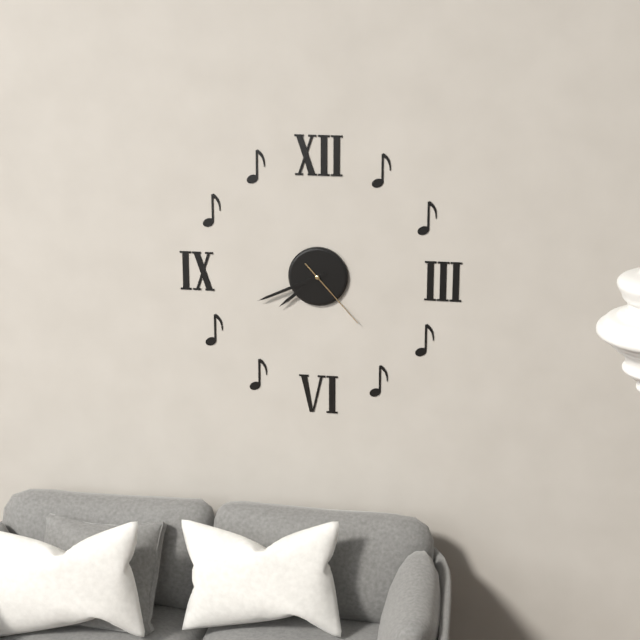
7:41:23
